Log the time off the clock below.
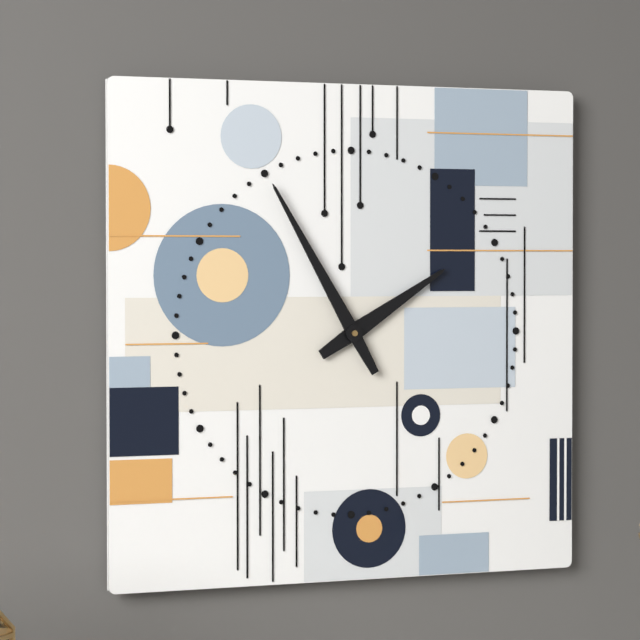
1:55
